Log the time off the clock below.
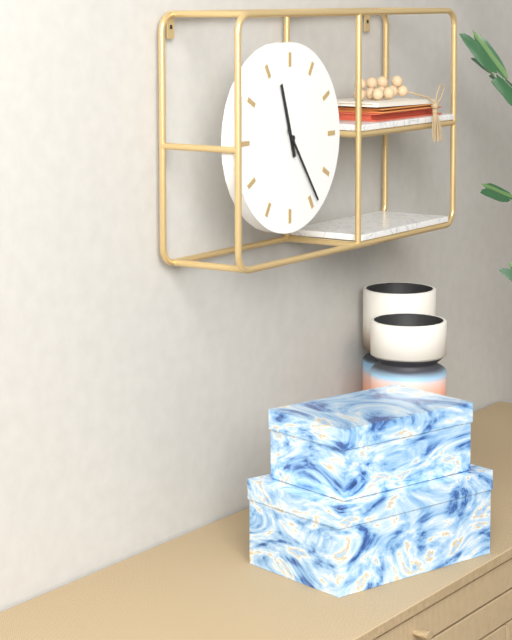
11:24
